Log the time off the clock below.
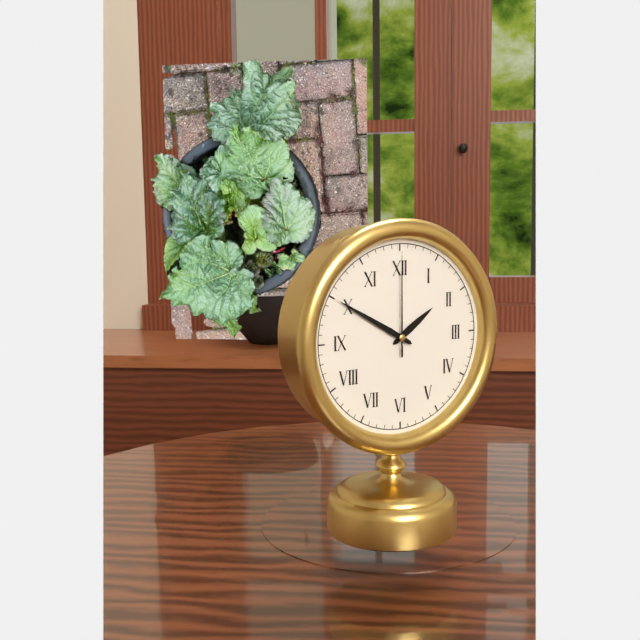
1:50:00
